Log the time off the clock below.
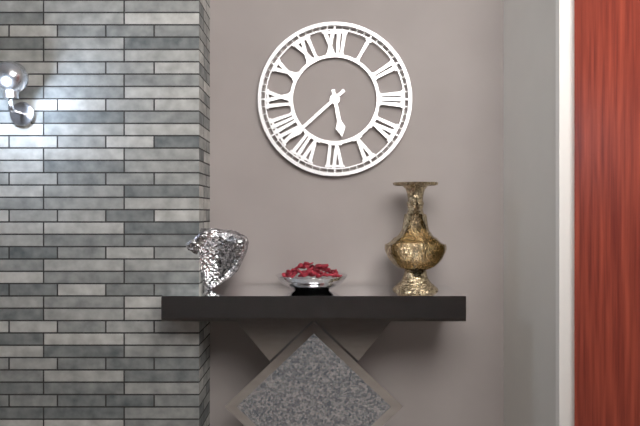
5:38
